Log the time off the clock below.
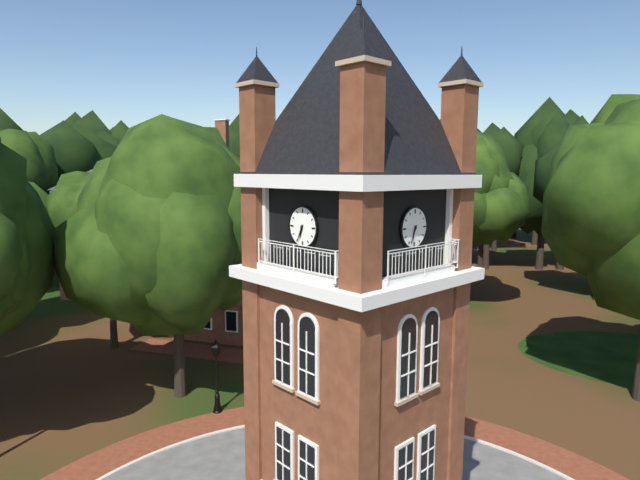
6:34
